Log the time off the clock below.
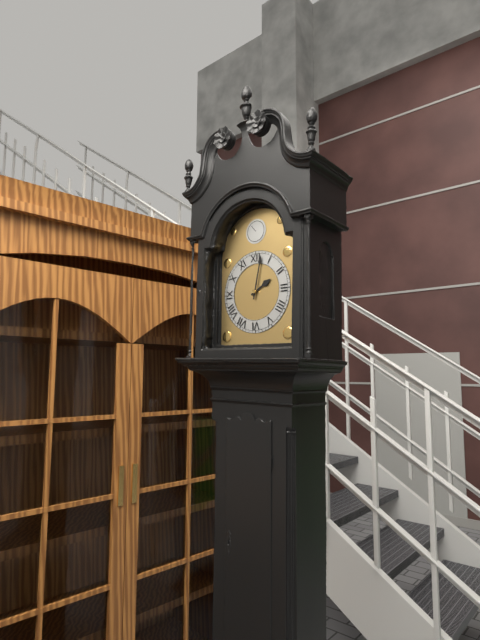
2:02
